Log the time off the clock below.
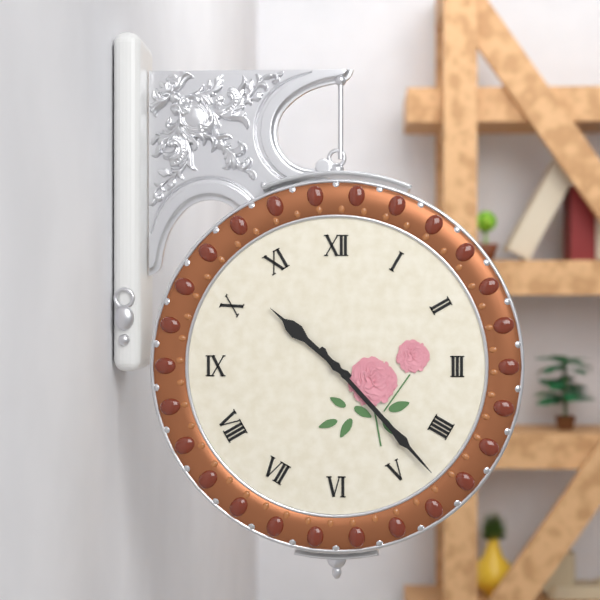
10:23
